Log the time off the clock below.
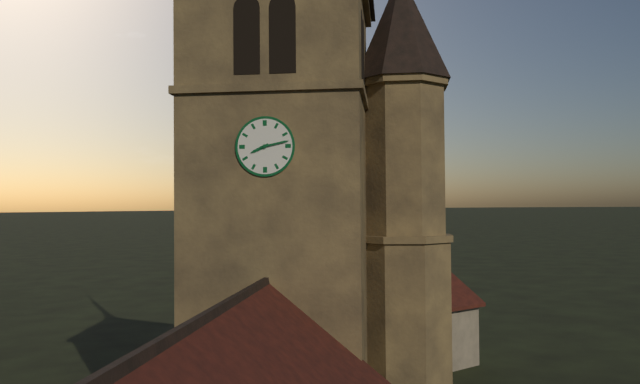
8:13
